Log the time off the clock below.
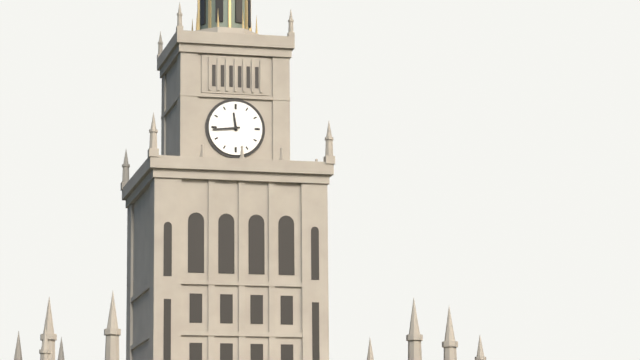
11:44
